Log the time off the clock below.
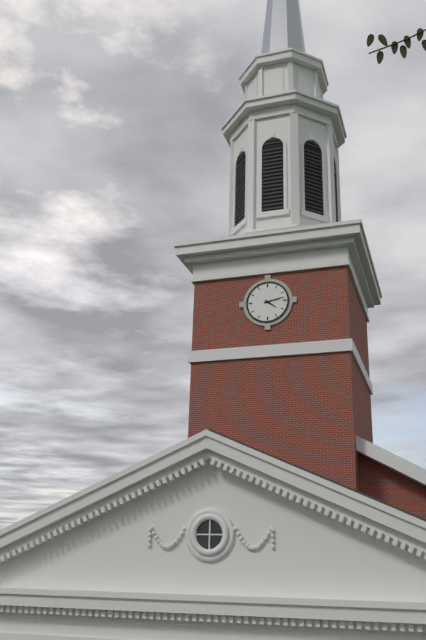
4:13
